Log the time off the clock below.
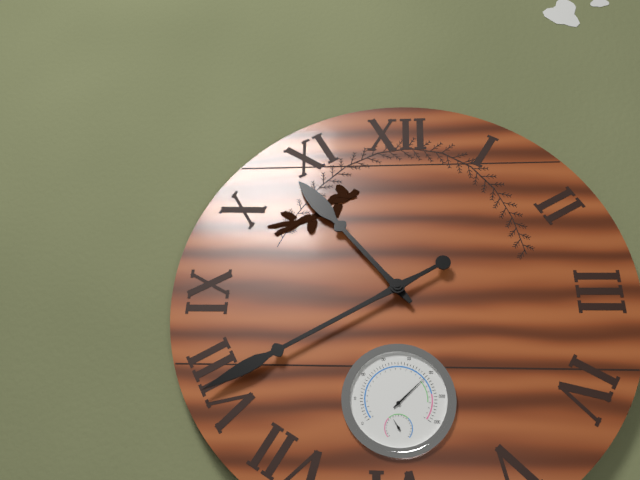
10:40
